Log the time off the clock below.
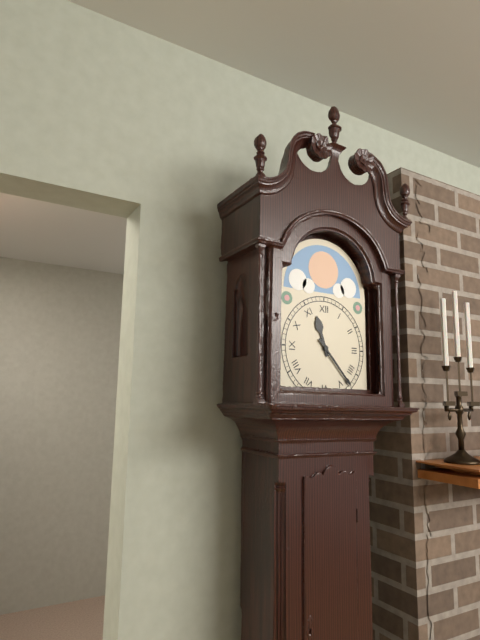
11:23
